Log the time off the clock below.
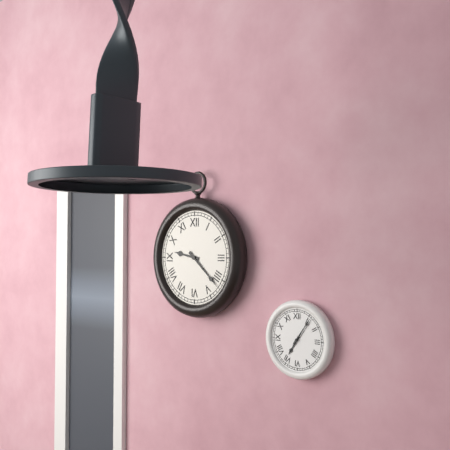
9:22
